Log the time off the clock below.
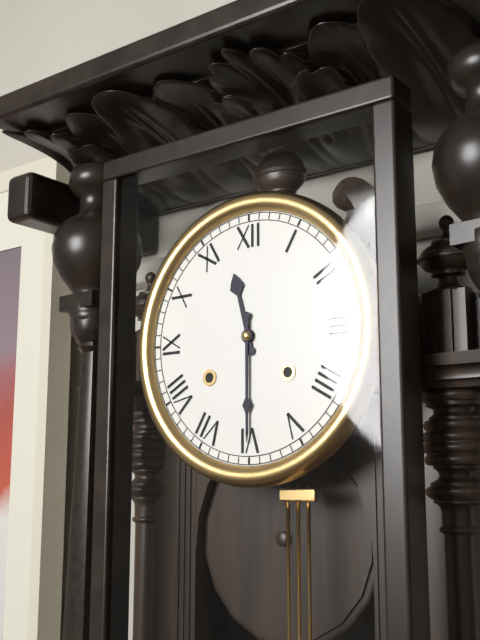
11:30
